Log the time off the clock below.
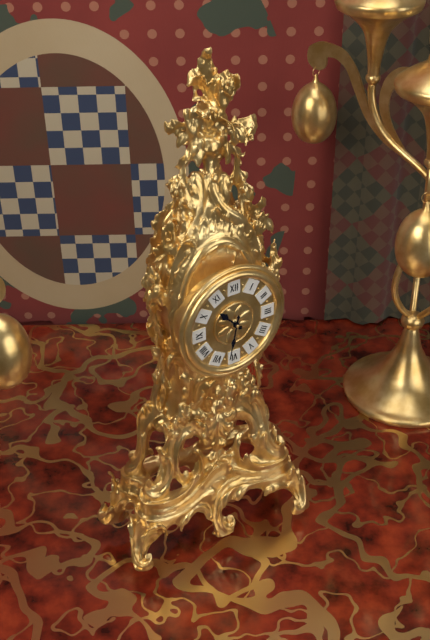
10:32
